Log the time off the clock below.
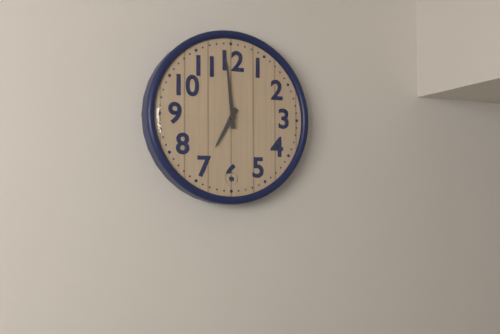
6:59
